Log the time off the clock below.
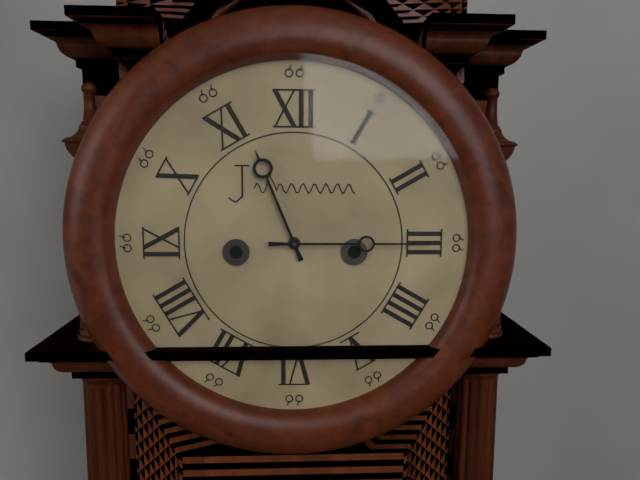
11:15
